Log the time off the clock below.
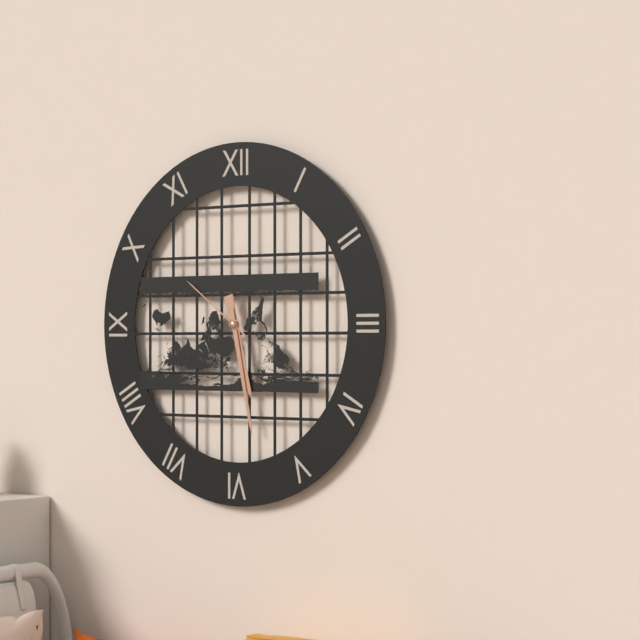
5:28:51
